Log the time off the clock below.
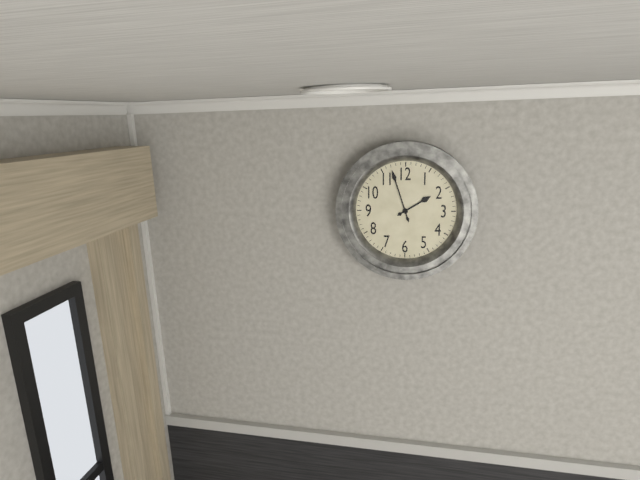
1:57
